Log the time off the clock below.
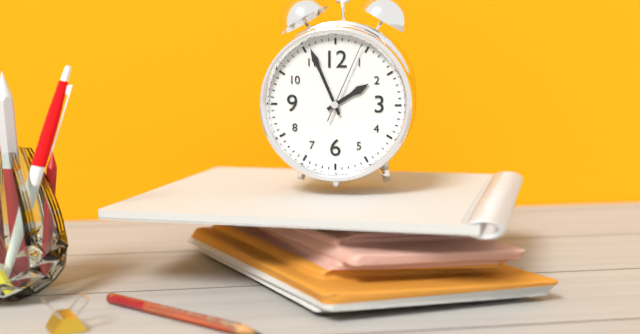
1:56:04
